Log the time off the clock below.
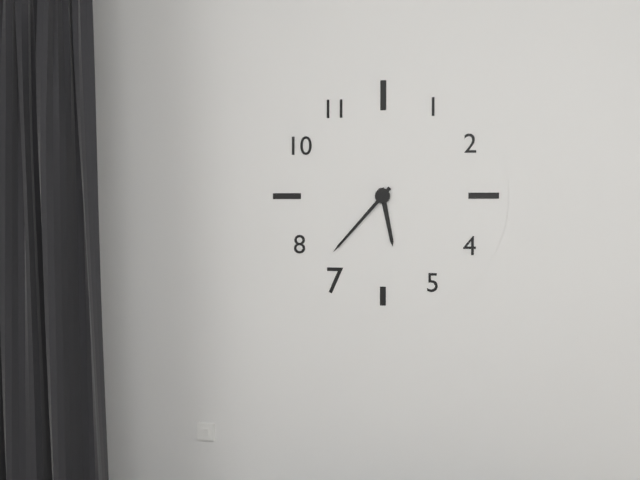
5:37
